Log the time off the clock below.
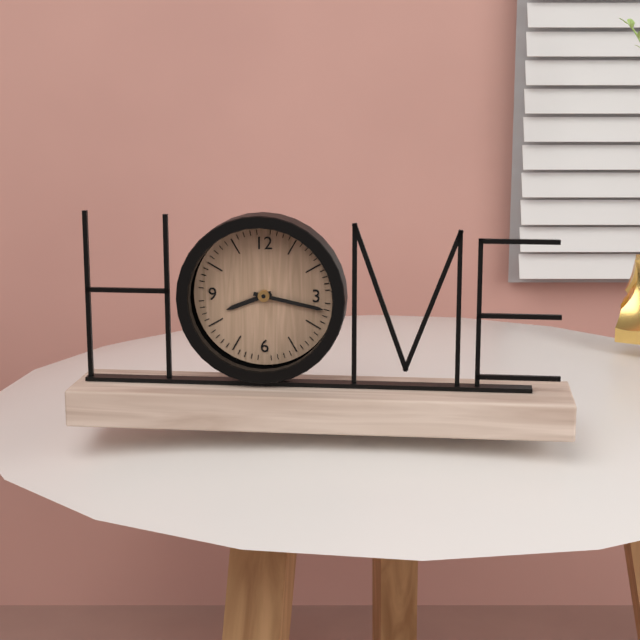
8:17
